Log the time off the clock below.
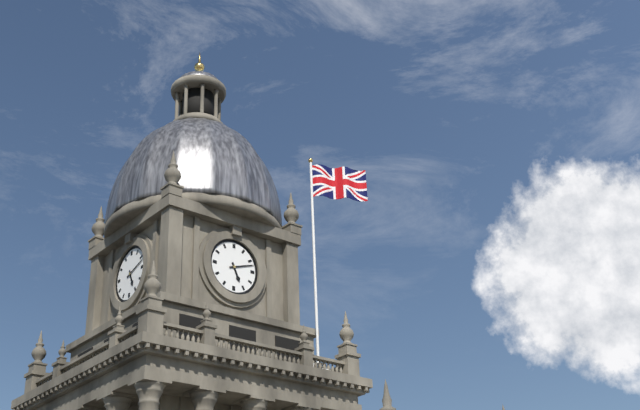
5:12
